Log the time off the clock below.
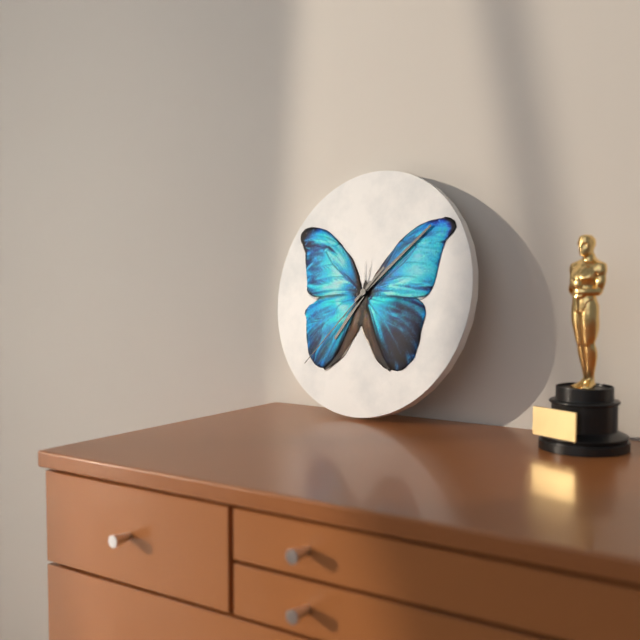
7:08:37
